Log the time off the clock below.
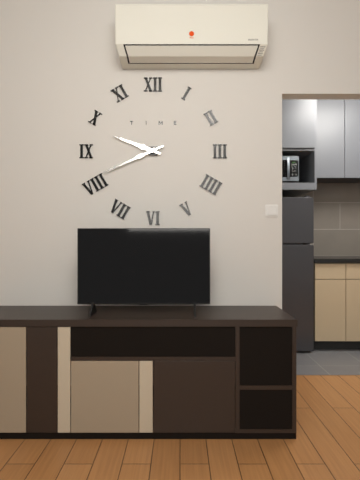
9:41
